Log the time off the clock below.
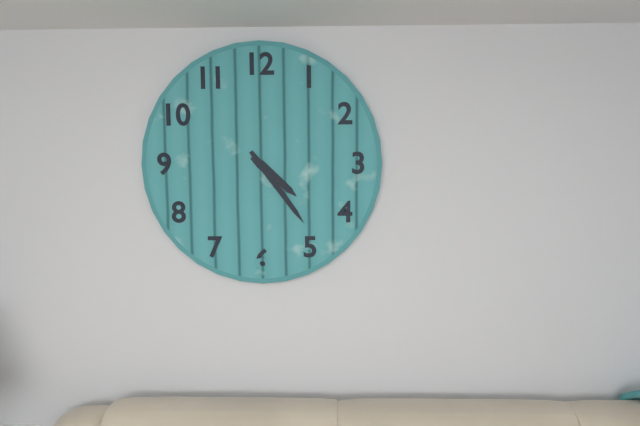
4:24
